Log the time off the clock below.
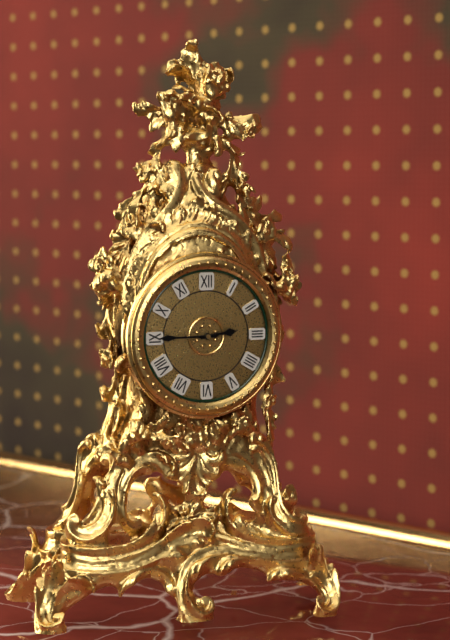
2:45
